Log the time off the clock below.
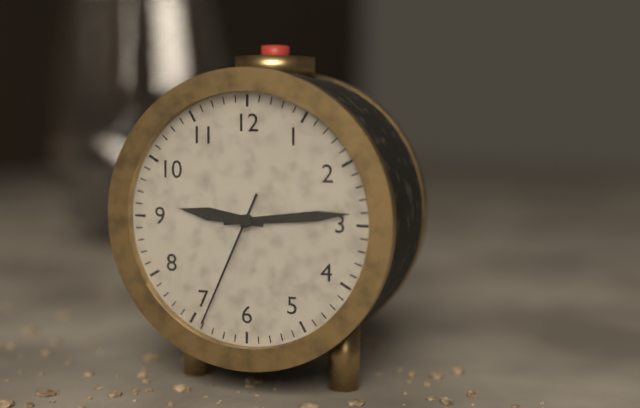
9:14:34
